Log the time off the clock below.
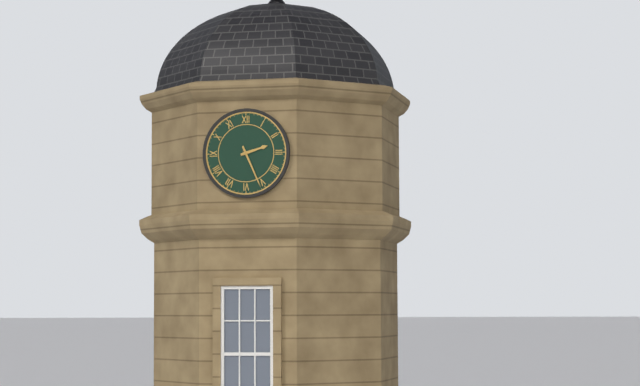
2:26
